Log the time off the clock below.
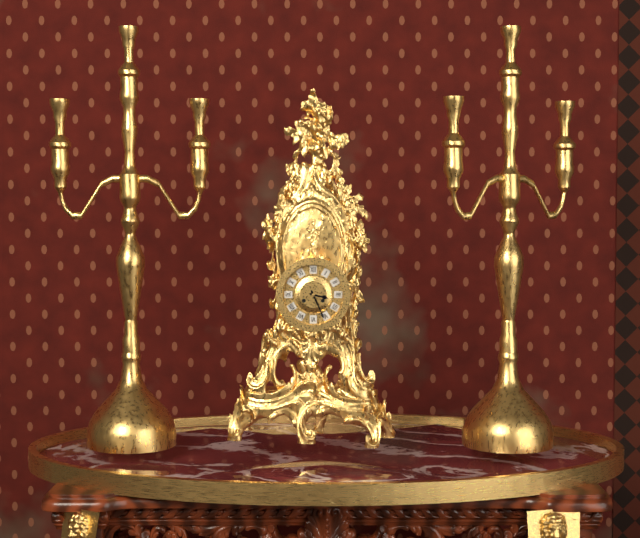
3:26
